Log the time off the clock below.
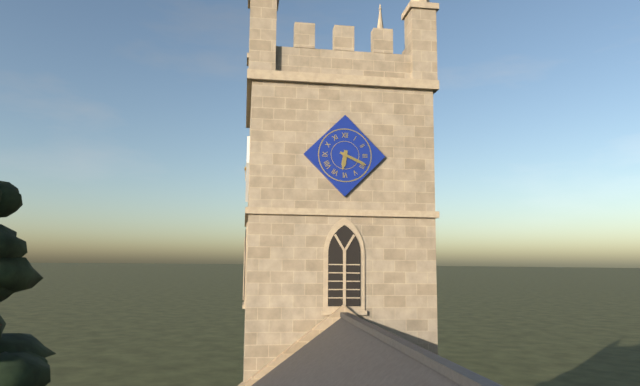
6:19
